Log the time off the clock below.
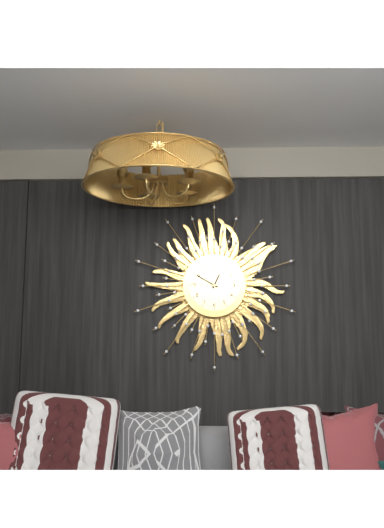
12:50
